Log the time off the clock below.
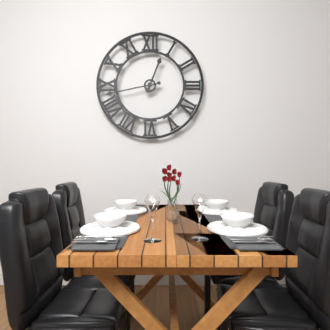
12:43
